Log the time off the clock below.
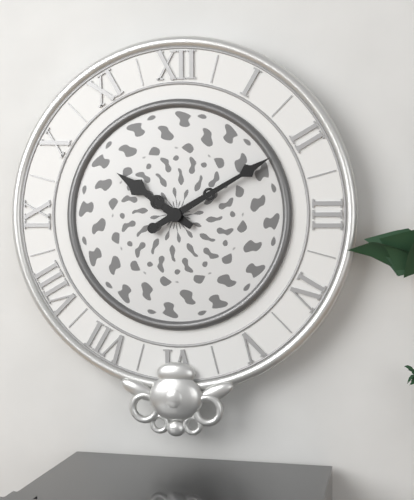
10:10
